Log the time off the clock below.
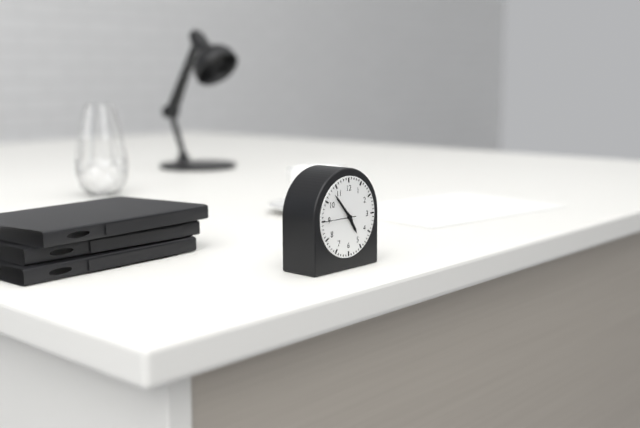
4:53
